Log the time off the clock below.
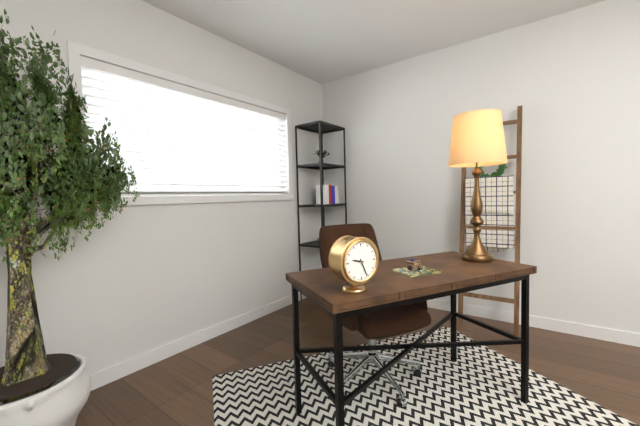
9:26
